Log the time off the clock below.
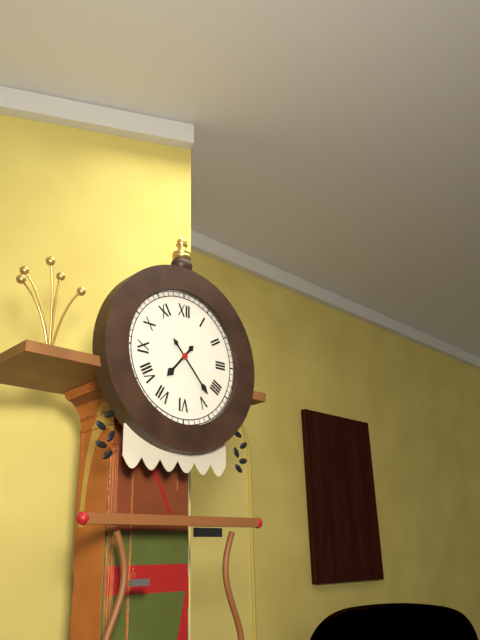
7:23
